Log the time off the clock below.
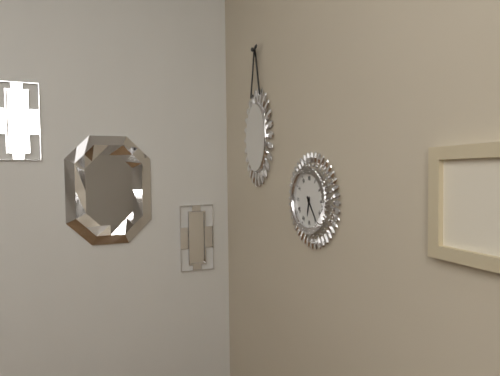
6:24
